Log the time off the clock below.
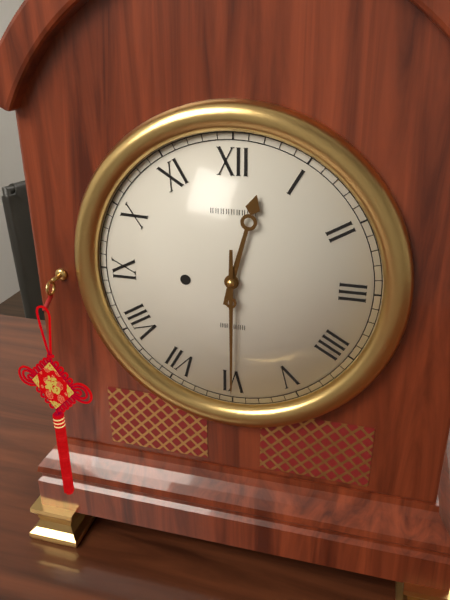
12:30
